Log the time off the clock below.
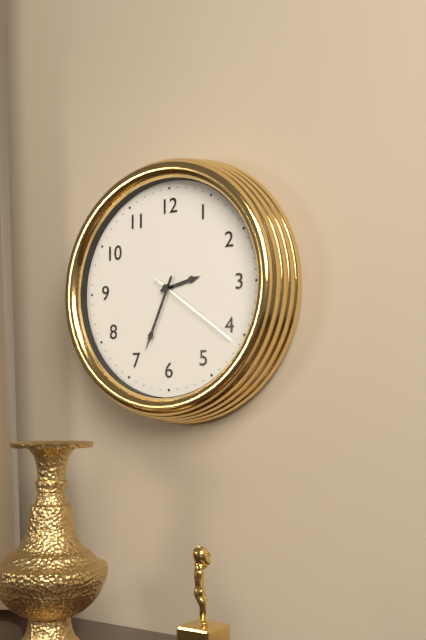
2:34:21
